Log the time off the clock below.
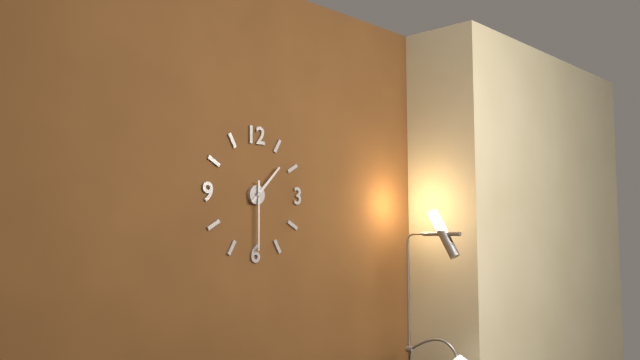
1:30
